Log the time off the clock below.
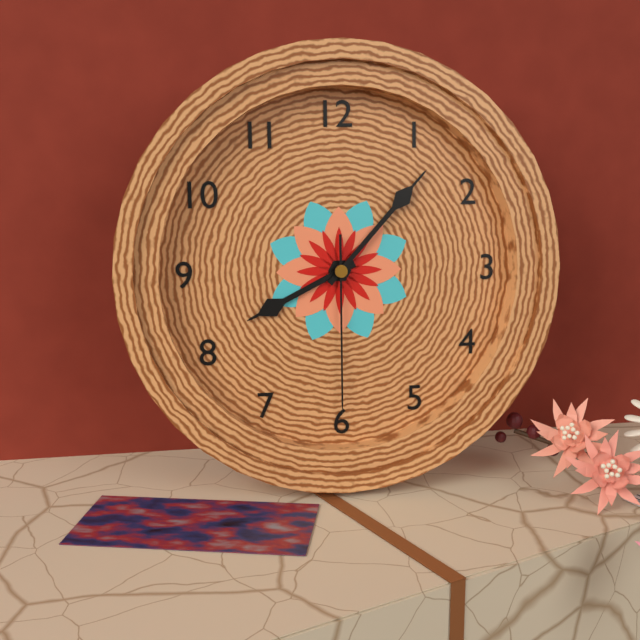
8:07:30
